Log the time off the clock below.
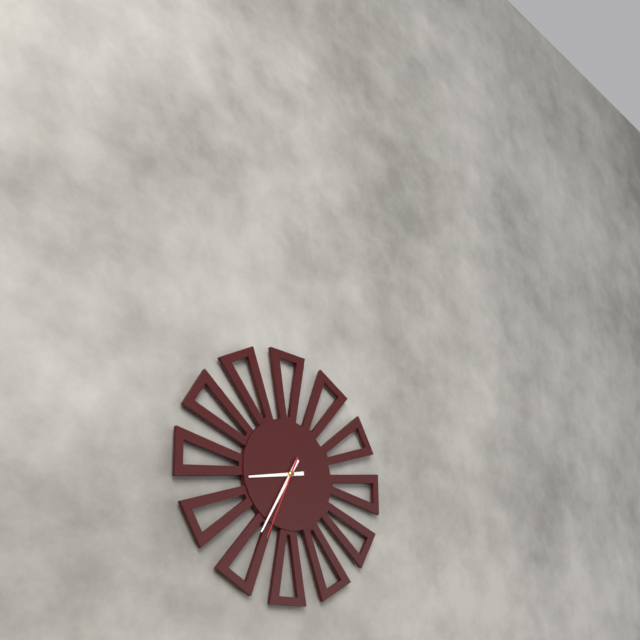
8:35:34
